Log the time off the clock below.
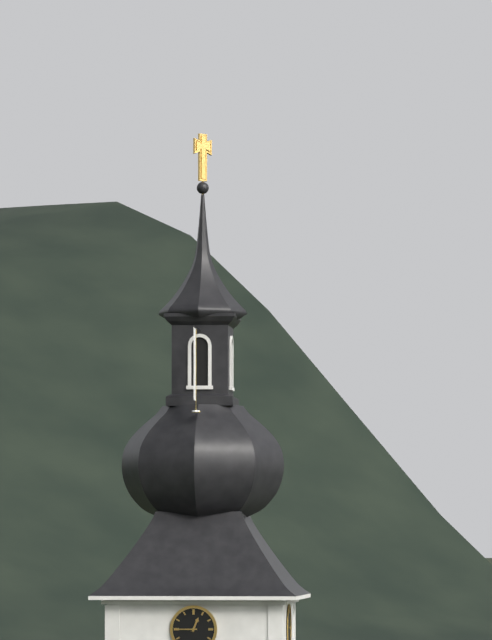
12:45
